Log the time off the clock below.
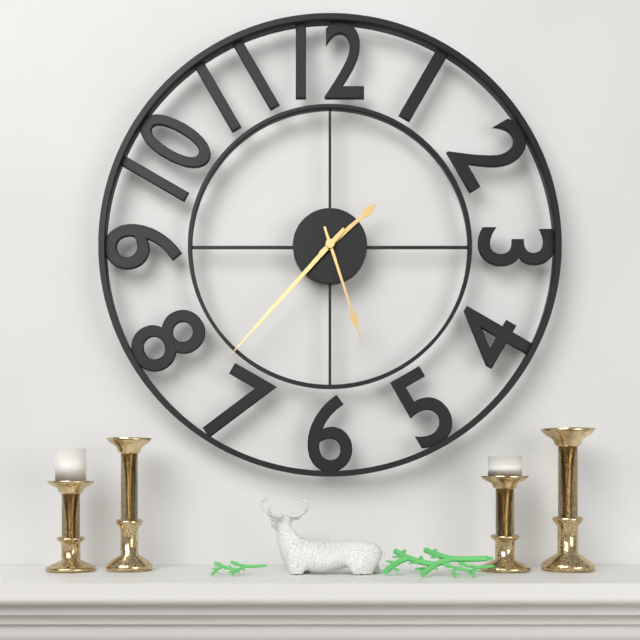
1:37:27
